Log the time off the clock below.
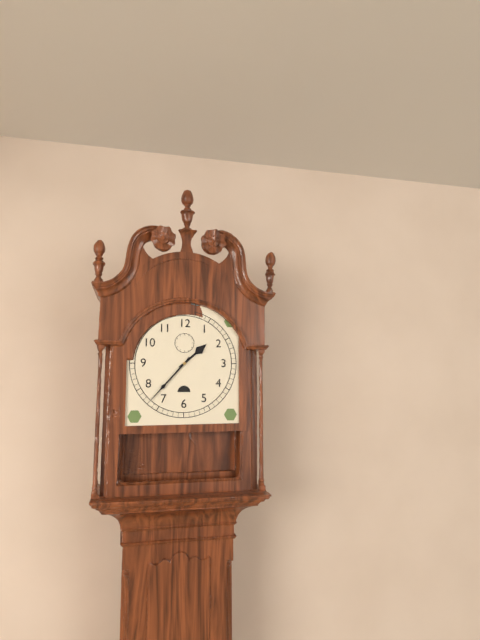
1:37
